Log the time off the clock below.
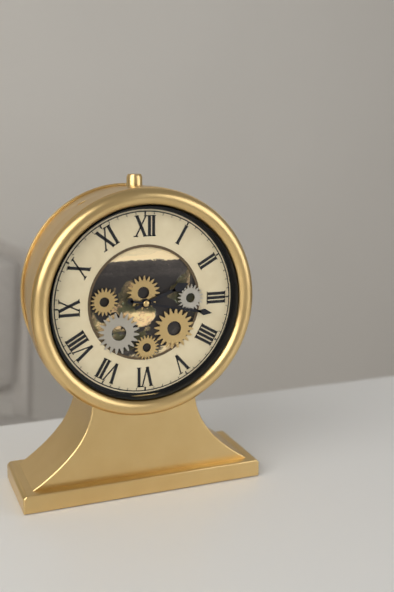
2:17
